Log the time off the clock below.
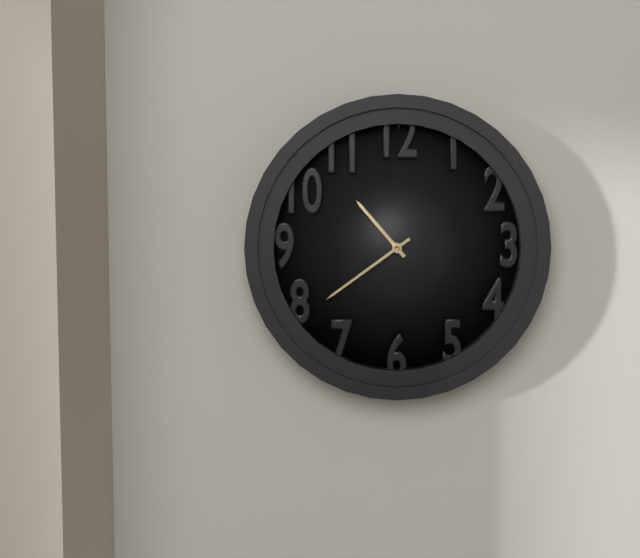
10:39
